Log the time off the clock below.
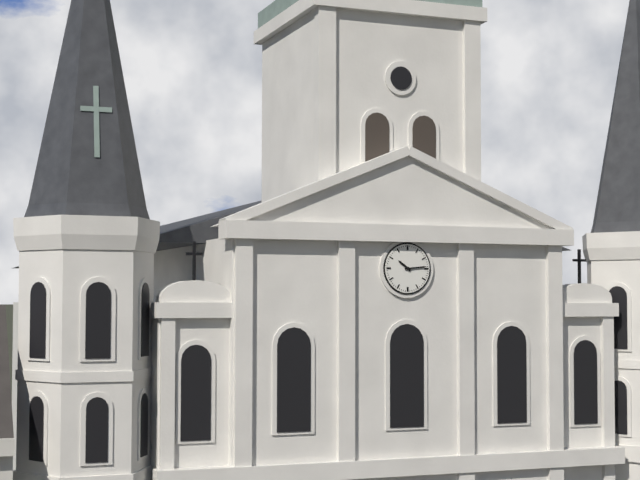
10:14
